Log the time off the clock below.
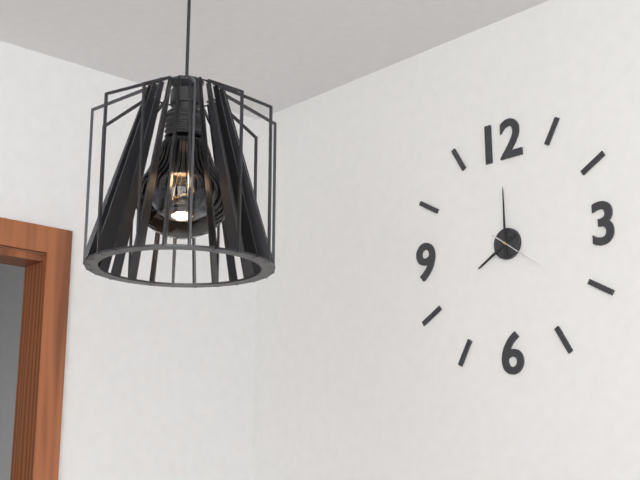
8:00
